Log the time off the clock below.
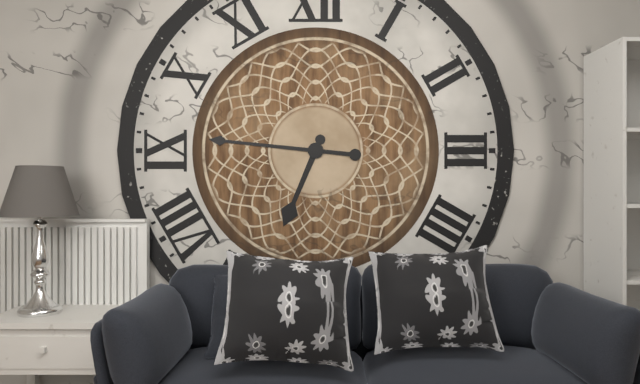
6:46
